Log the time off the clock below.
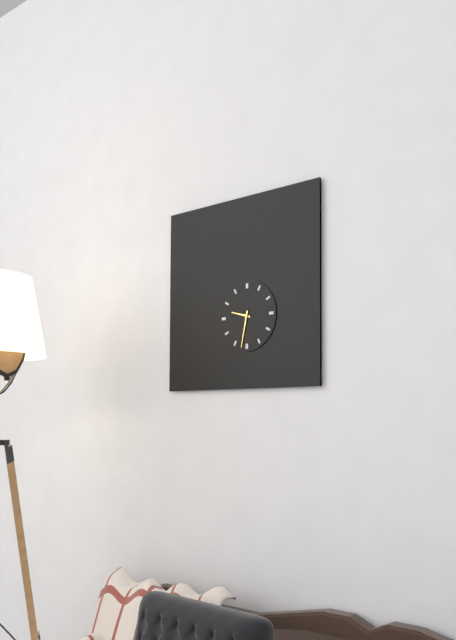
9:32
